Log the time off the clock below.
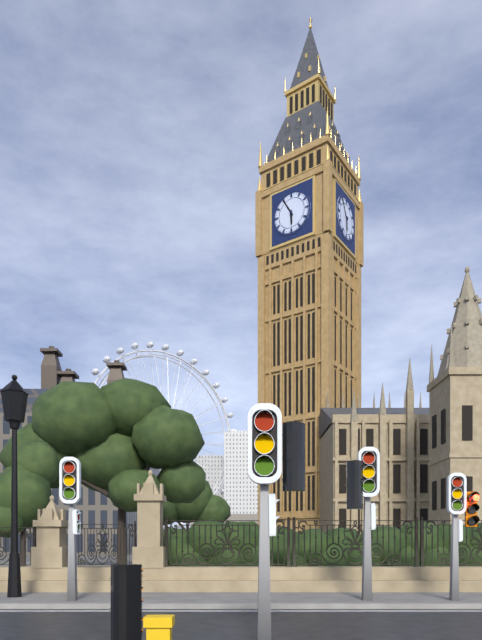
5:55
